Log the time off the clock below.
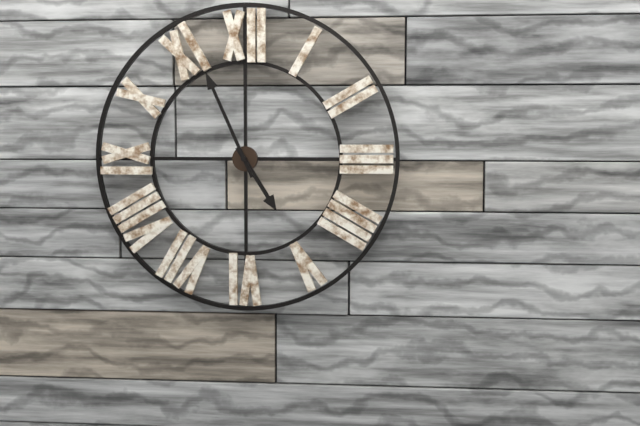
4:56
